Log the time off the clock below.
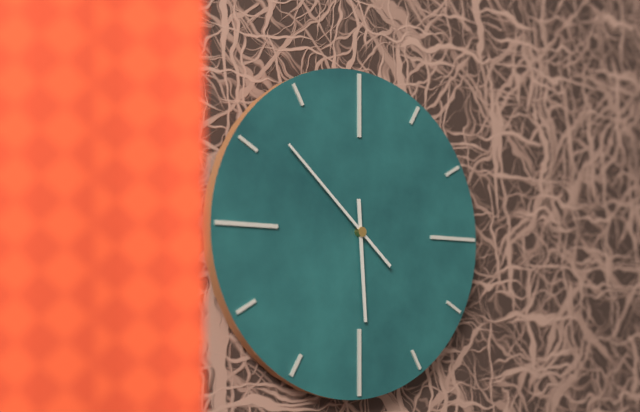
5:52
